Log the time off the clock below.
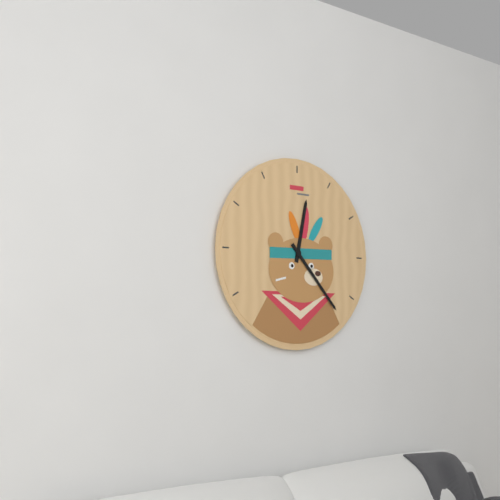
12:23
